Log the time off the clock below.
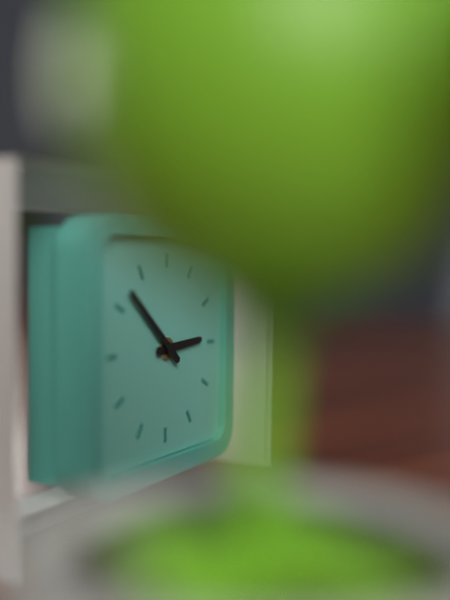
2:52
